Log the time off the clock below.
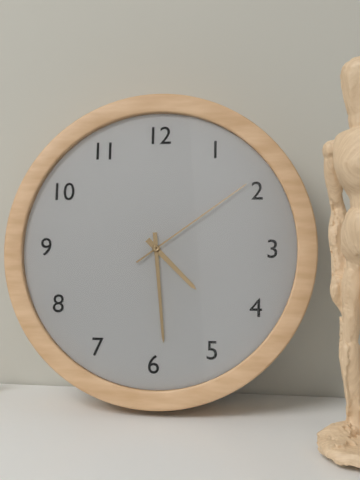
4:29:09
